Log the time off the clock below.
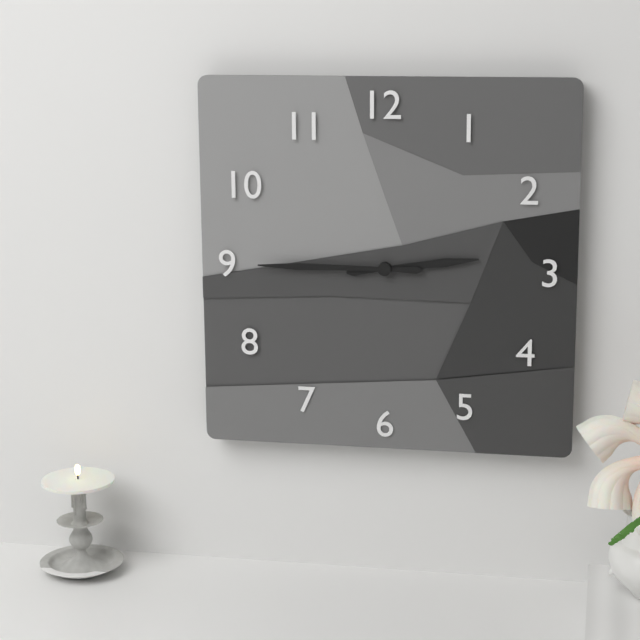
2:45
